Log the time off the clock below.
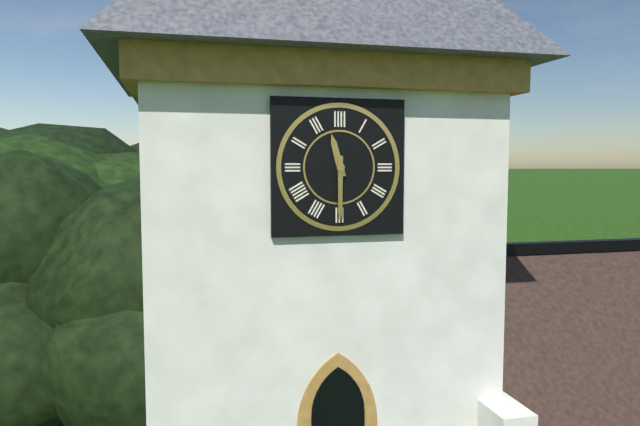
11:30
